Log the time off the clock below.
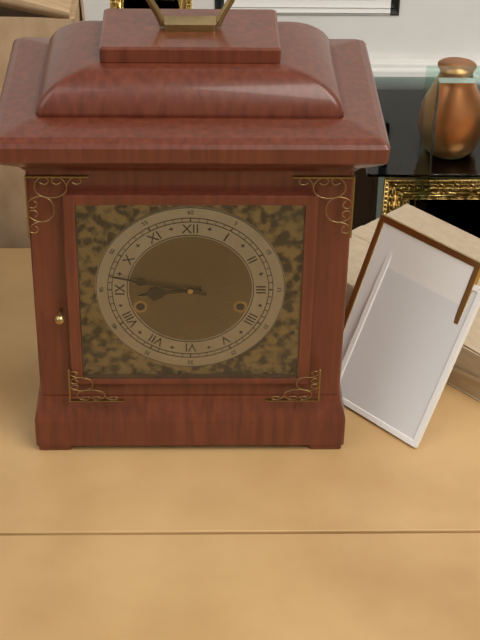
8:47
